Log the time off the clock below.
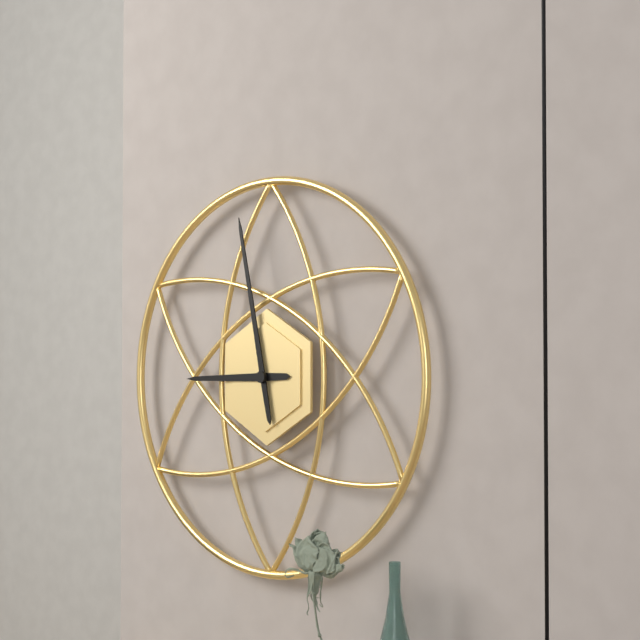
8:58
